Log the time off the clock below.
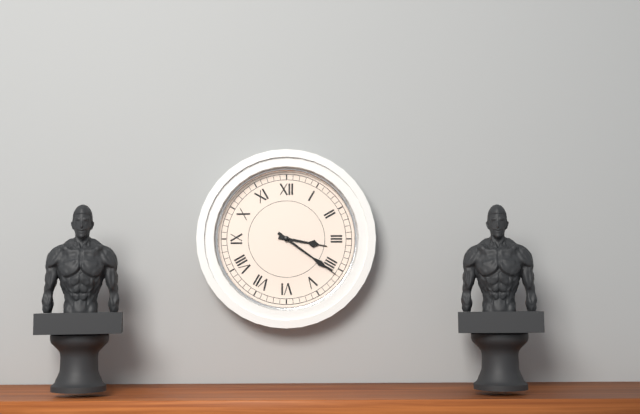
3:21
